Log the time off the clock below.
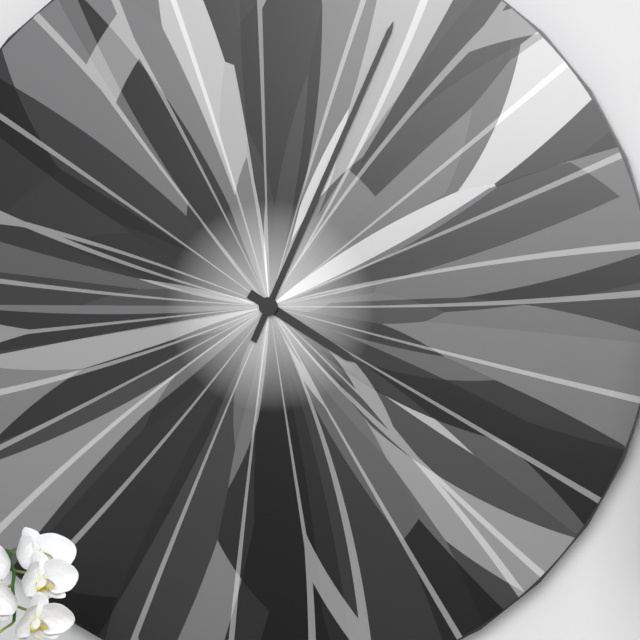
4:04
